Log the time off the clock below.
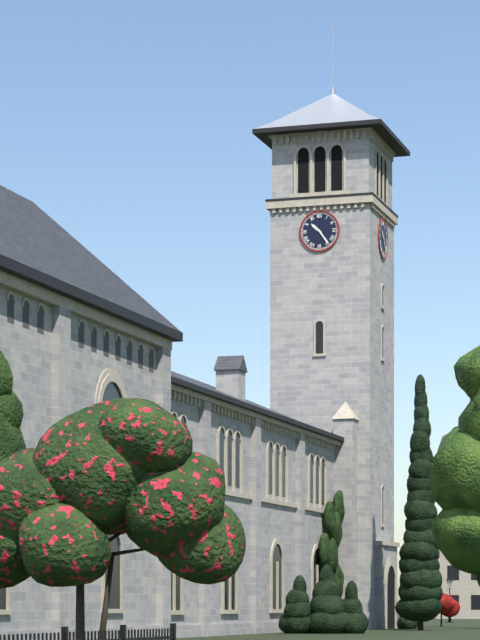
10:24
